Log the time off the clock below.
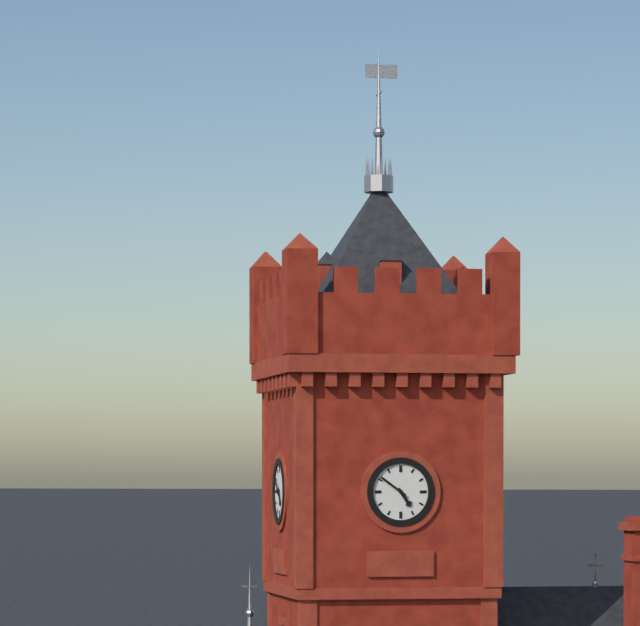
4:51
